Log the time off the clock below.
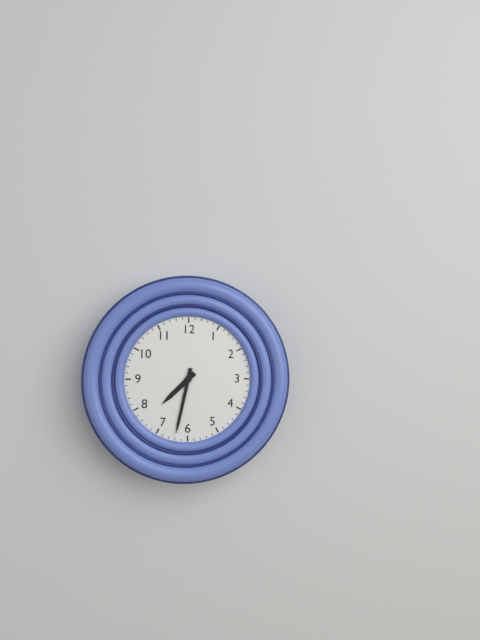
7:32
